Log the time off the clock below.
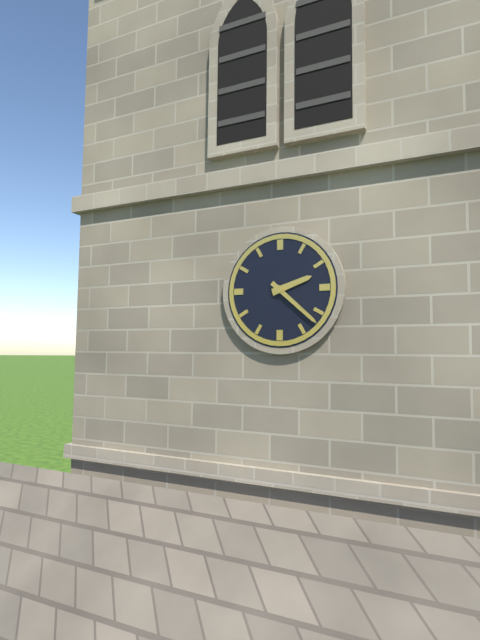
2:22
